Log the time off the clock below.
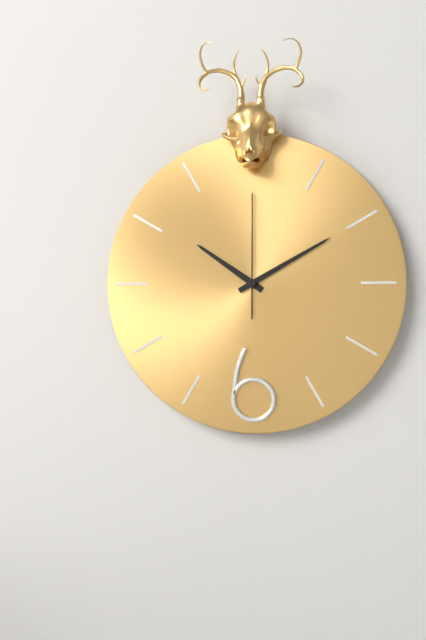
10:10:00
